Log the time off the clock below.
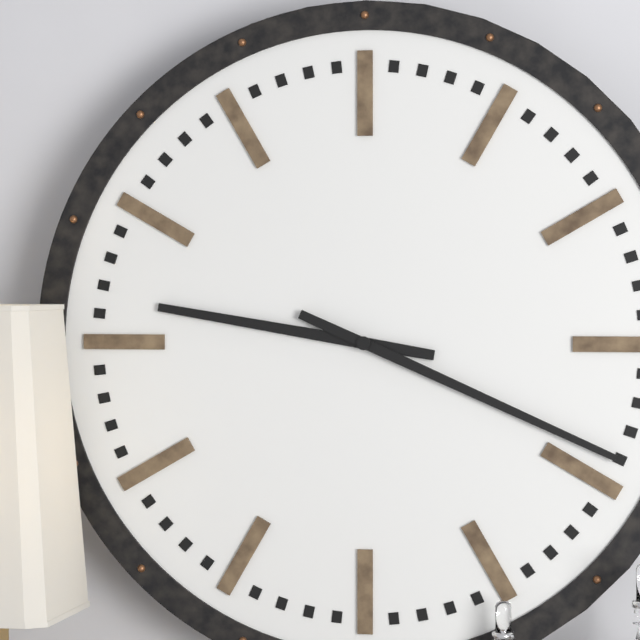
9:19
